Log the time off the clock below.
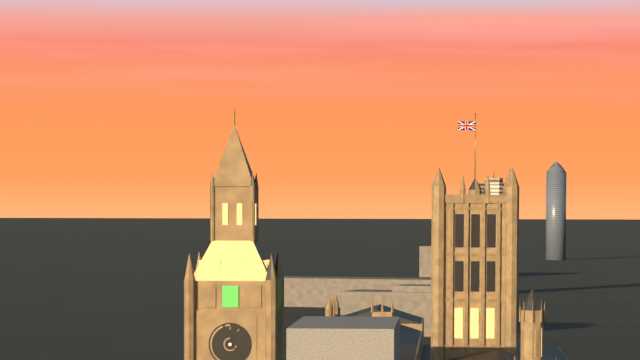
12:22
